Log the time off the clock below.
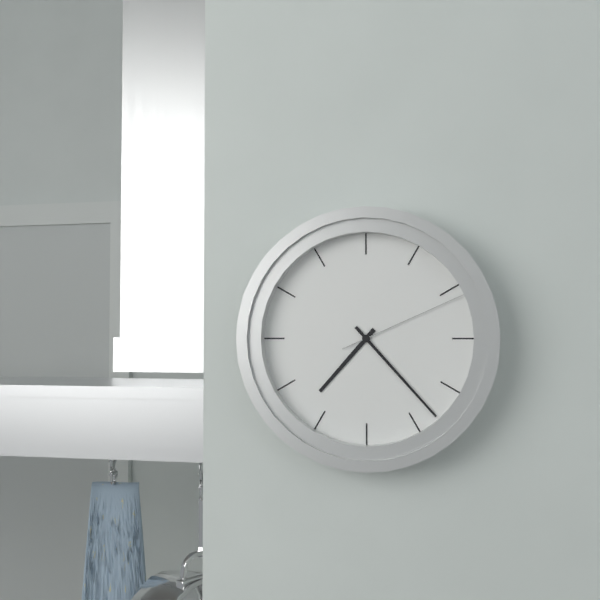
7:23:11
